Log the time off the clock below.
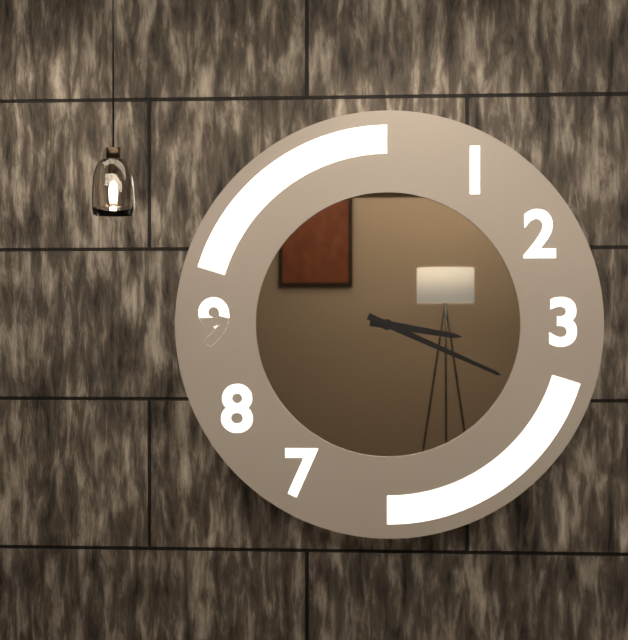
3:19
